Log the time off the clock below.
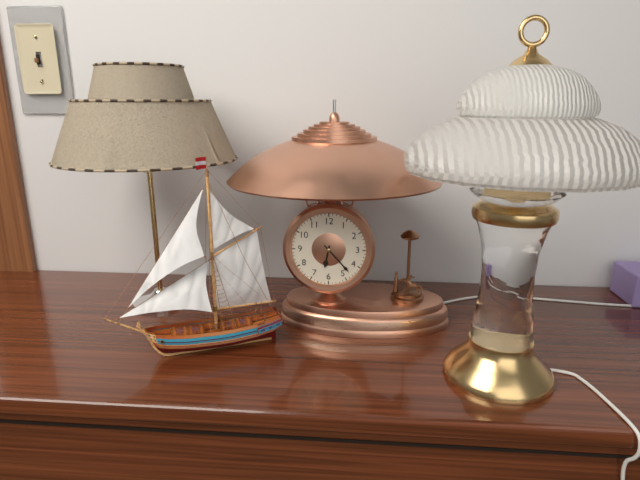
6:23
